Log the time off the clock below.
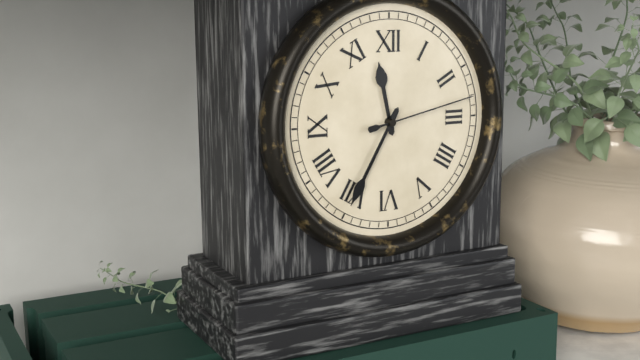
11:35:13
